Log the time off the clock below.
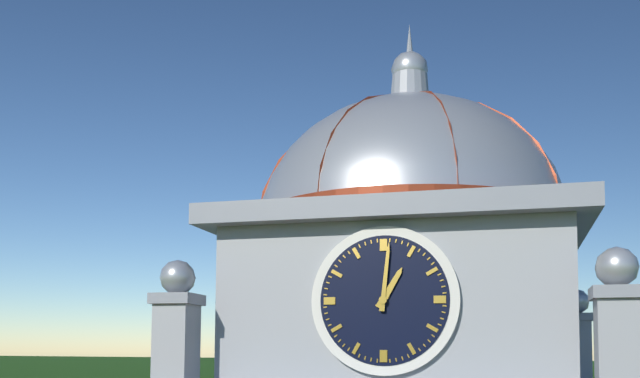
1:01
